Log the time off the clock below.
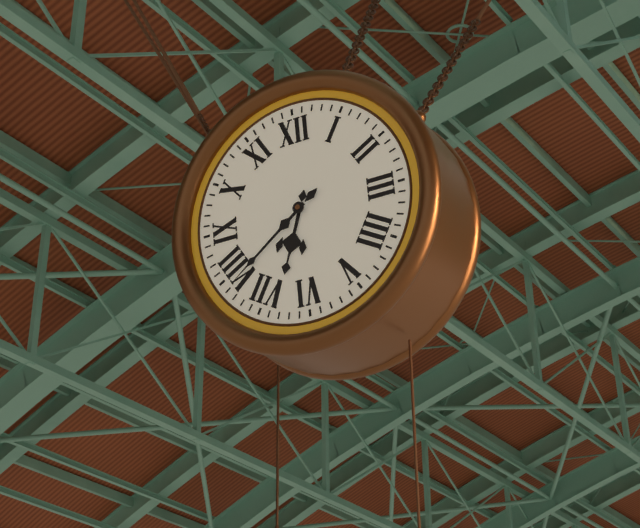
6:39
